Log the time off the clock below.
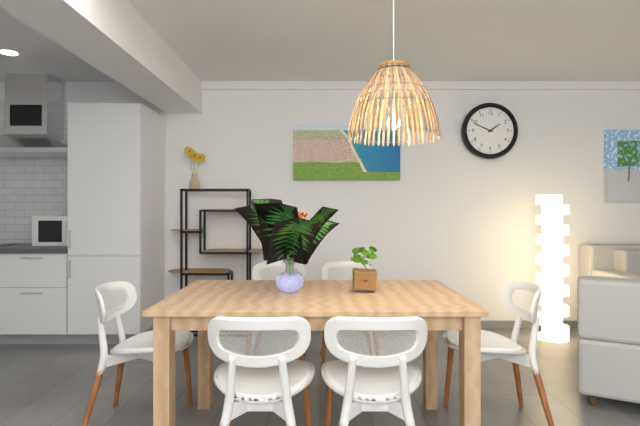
1:49
